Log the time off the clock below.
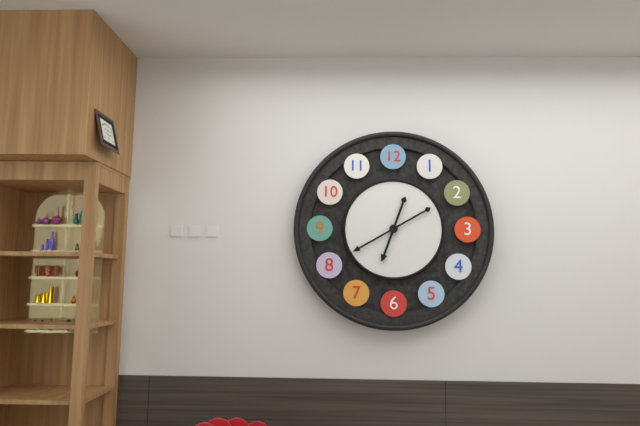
6:40
